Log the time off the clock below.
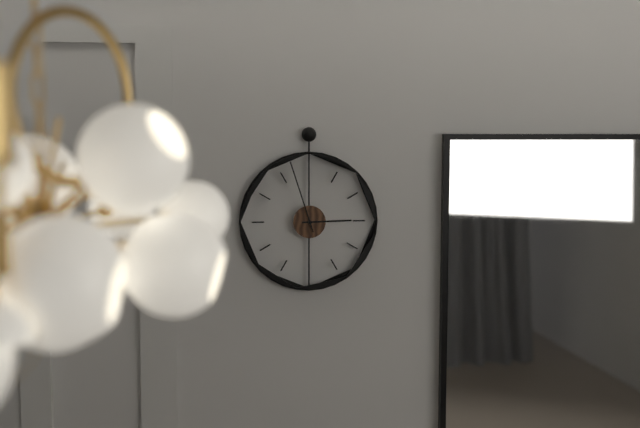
2:57
